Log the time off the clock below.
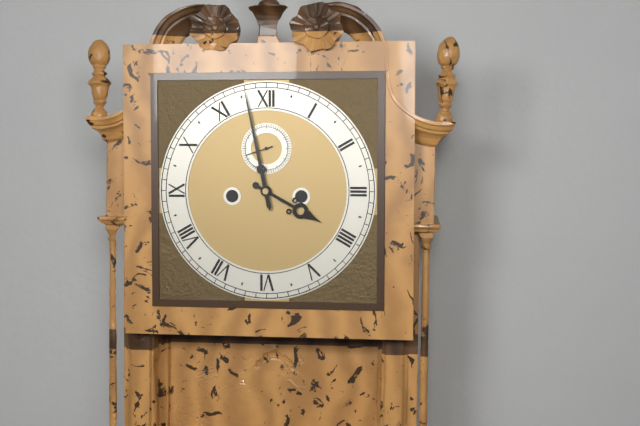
3:58
